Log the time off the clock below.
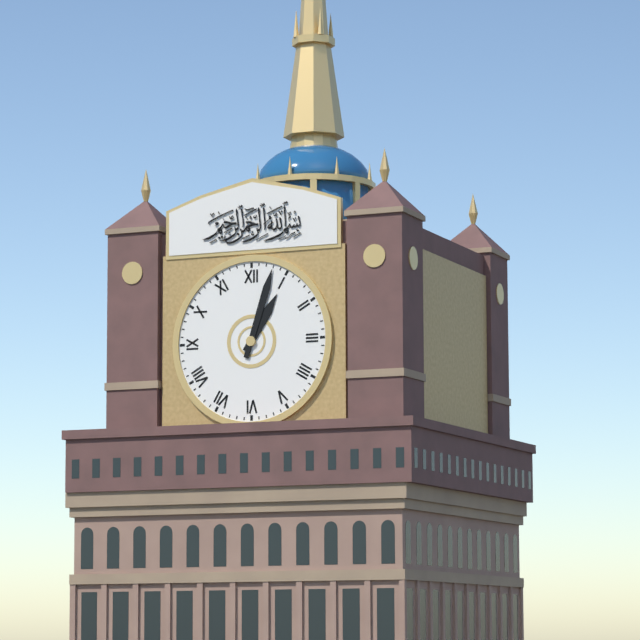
1:03
